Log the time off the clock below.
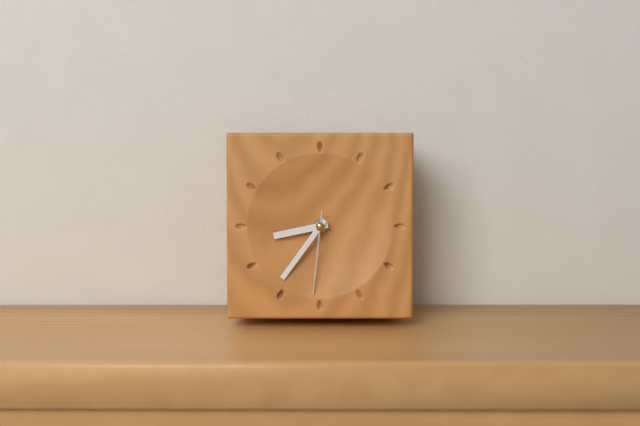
8:36:31
